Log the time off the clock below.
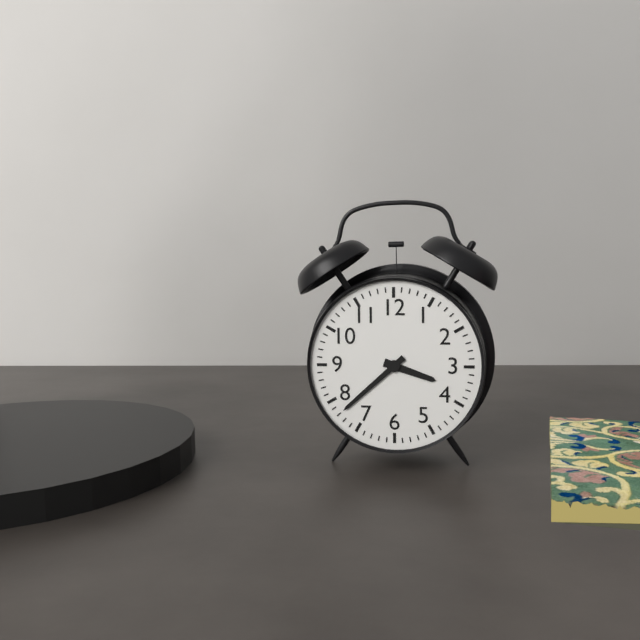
3:38
